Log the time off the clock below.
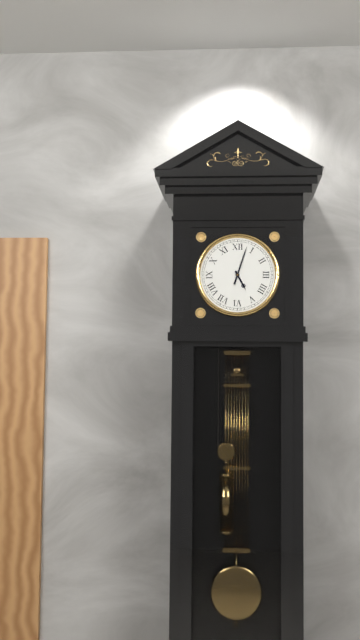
5:03
